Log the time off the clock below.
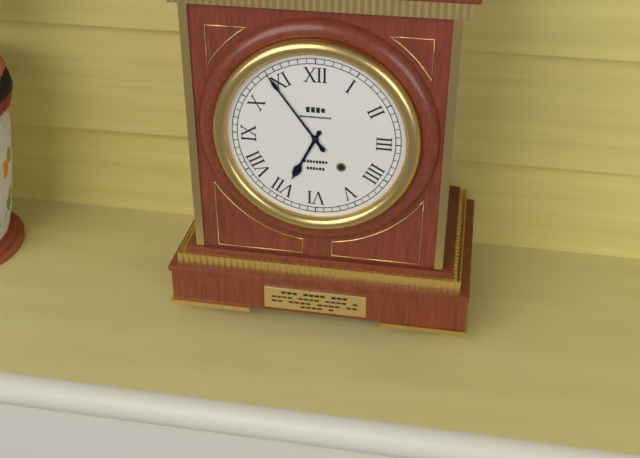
6:54
